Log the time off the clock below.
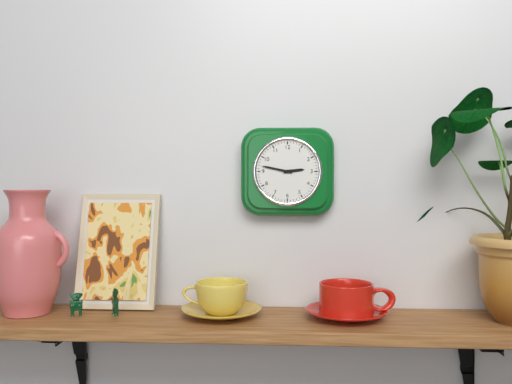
2:47
